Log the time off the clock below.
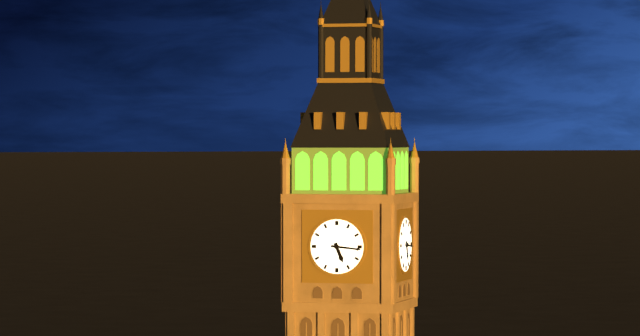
5:16
